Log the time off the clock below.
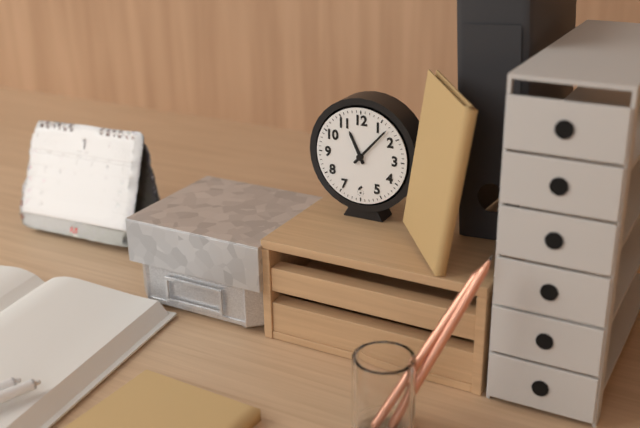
11:07
